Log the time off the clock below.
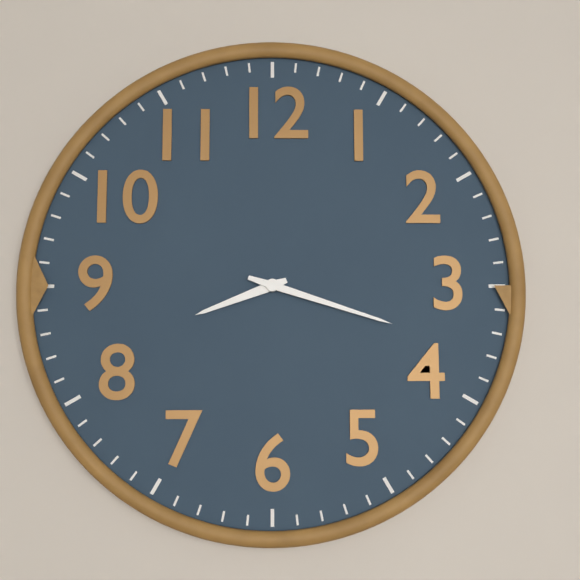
8:18
